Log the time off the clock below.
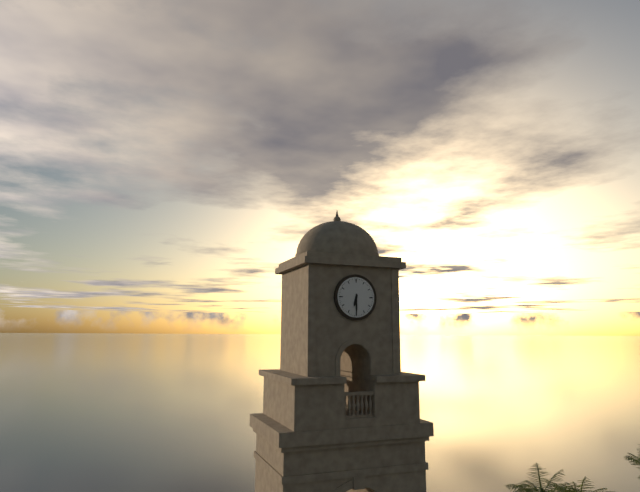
6:30
